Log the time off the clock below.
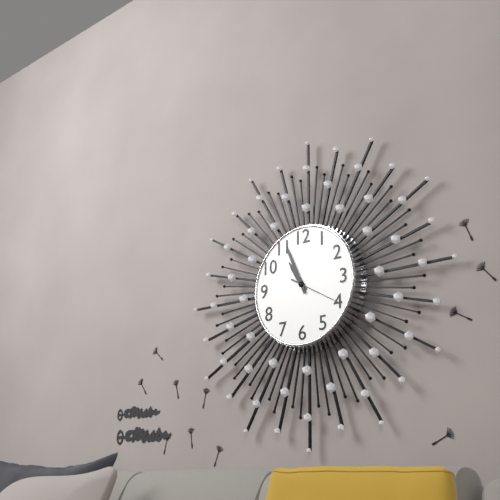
10:56:20
